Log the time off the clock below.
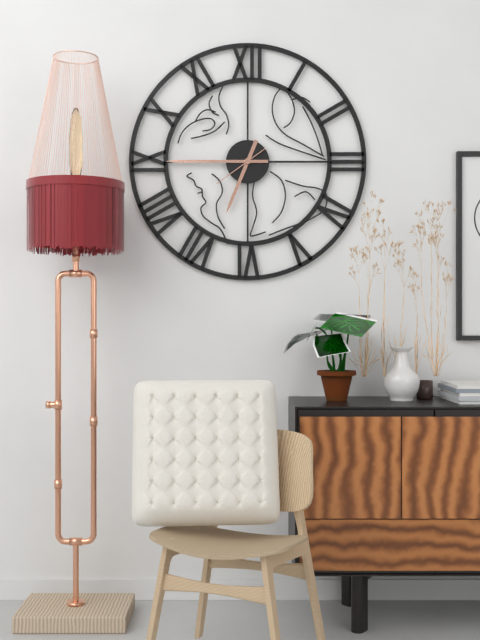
6:45
